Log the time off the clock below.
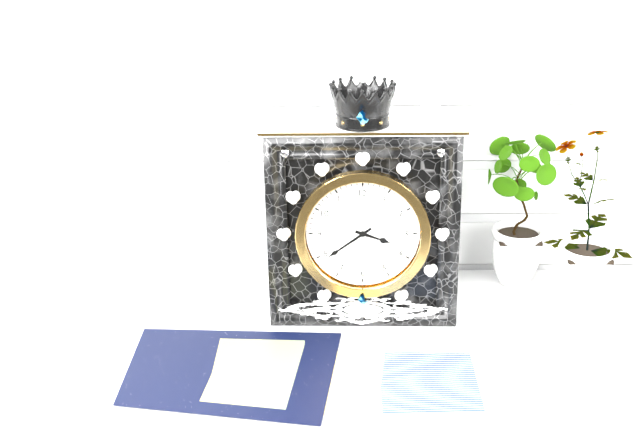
3:39
